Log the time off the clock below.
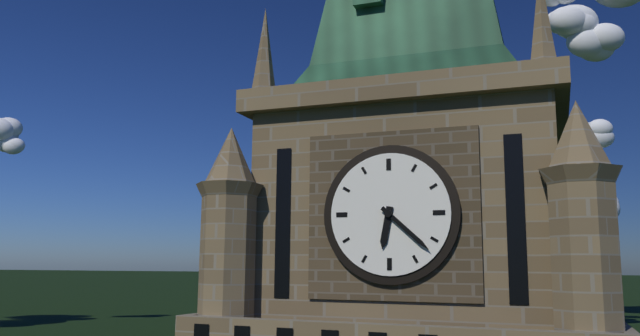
6:22
